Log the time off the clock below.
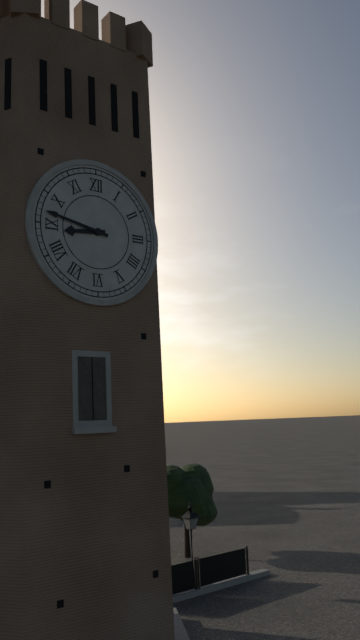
8:47
